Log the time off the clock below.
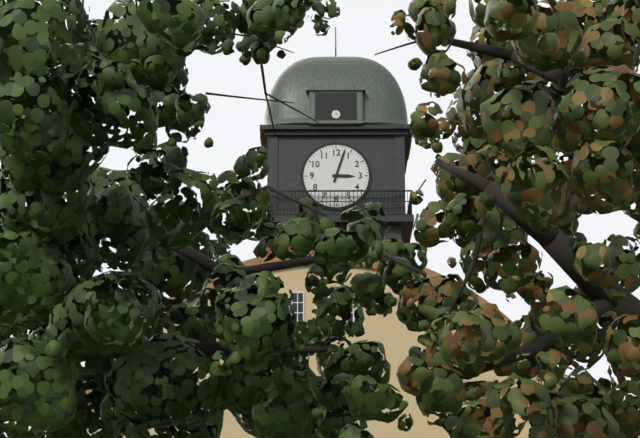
3:03
